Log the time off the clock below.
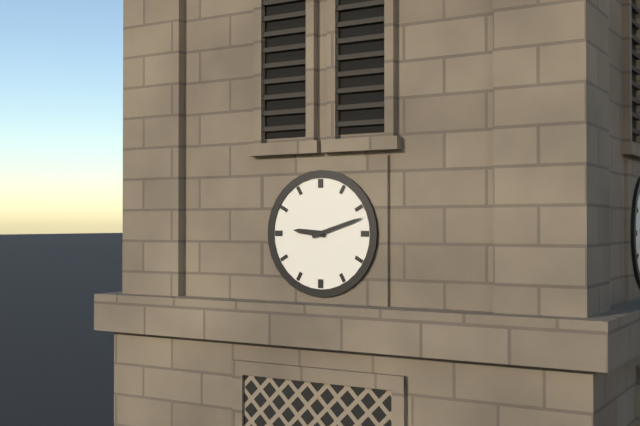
9:12
